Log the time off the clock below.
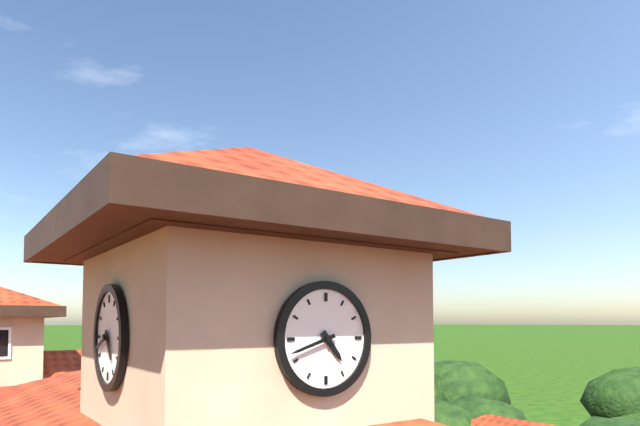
4:42
